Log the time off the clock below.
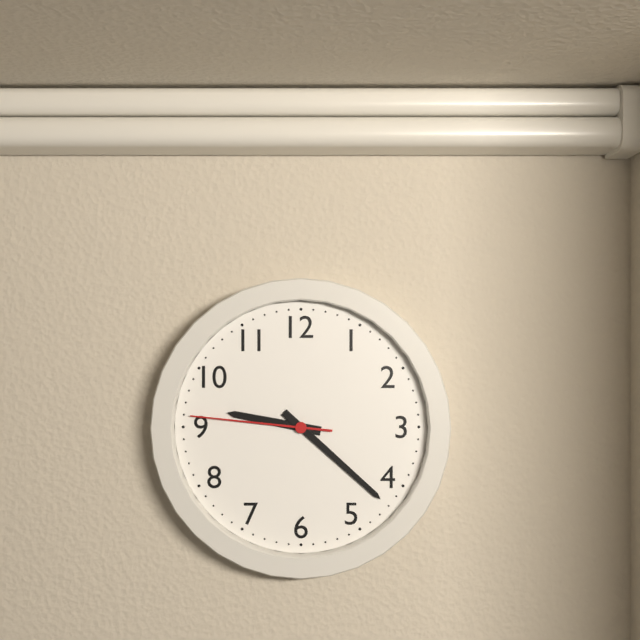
9:22:46
